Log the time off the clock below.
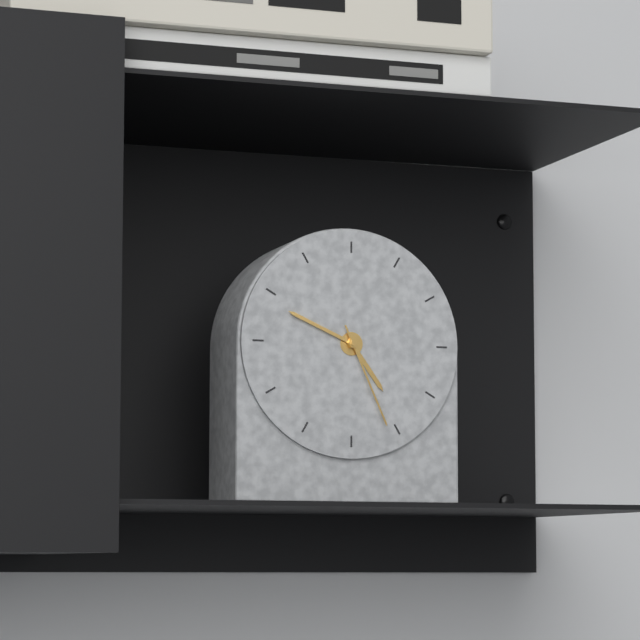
4:49:26
